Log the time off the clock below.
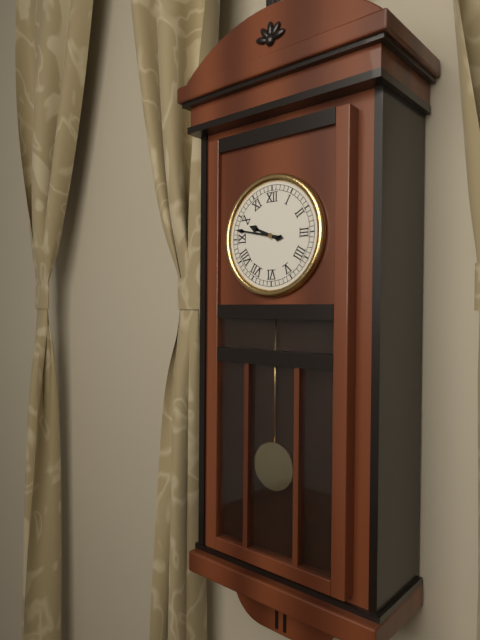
9:47
